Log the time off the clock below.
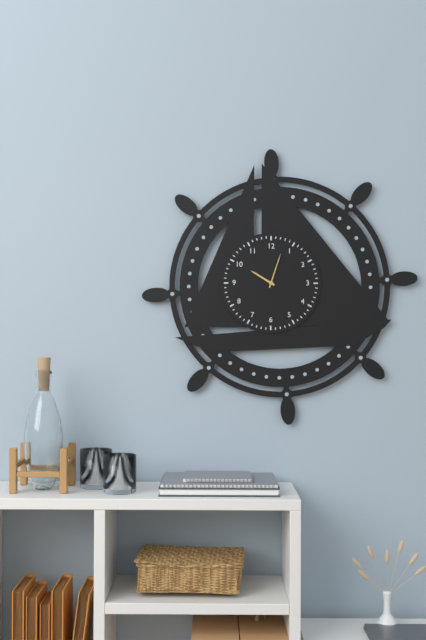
10:03
